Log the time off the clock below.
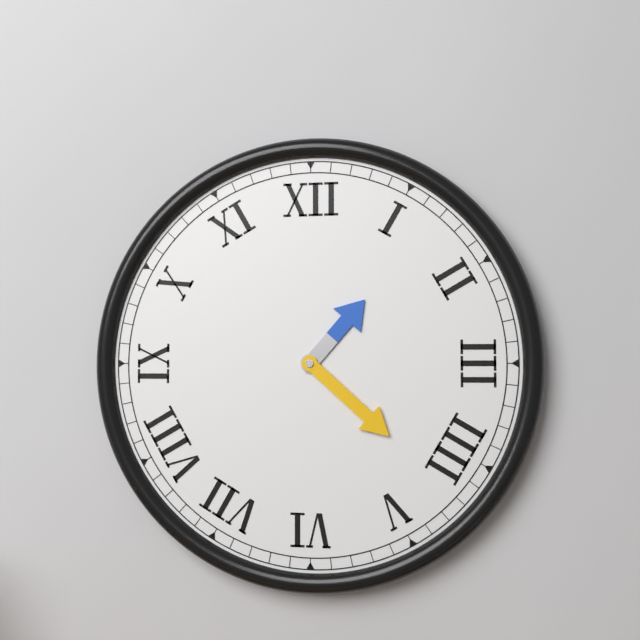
1:22
